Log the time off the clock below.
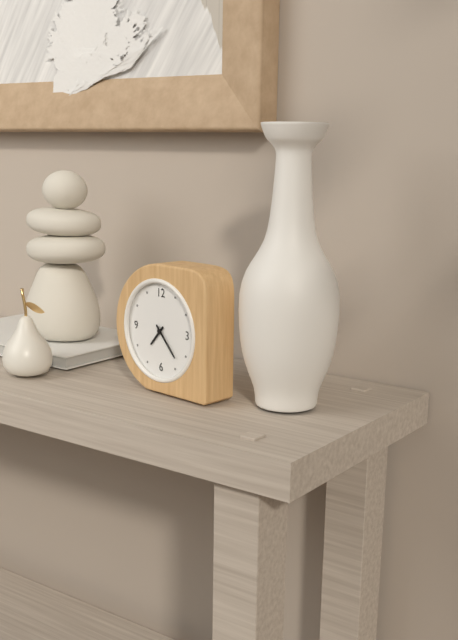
7:23
